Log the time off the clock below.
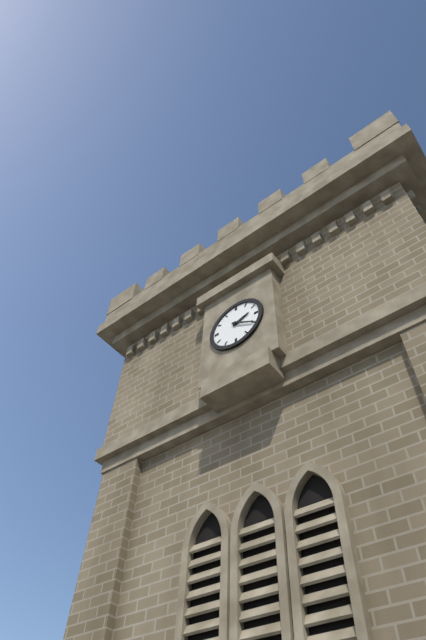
2:20
